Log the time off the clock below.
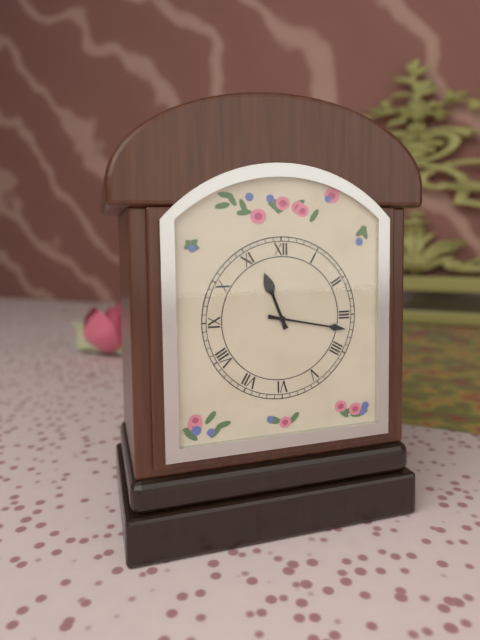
11:17
